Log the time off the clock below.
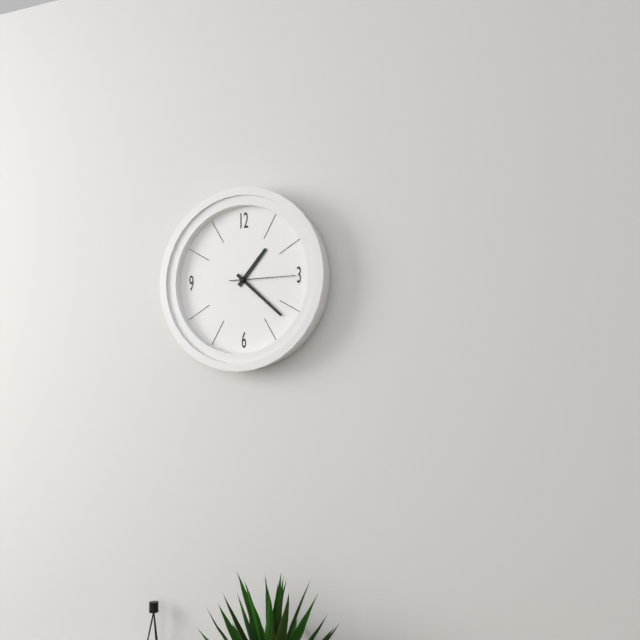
1:22:15
